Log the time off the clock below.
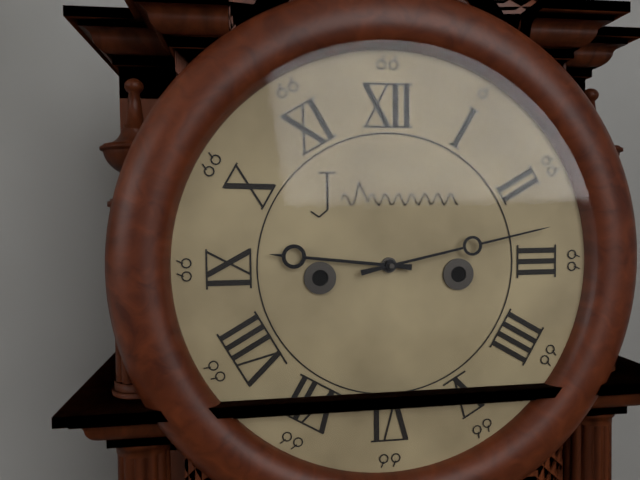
9:13
